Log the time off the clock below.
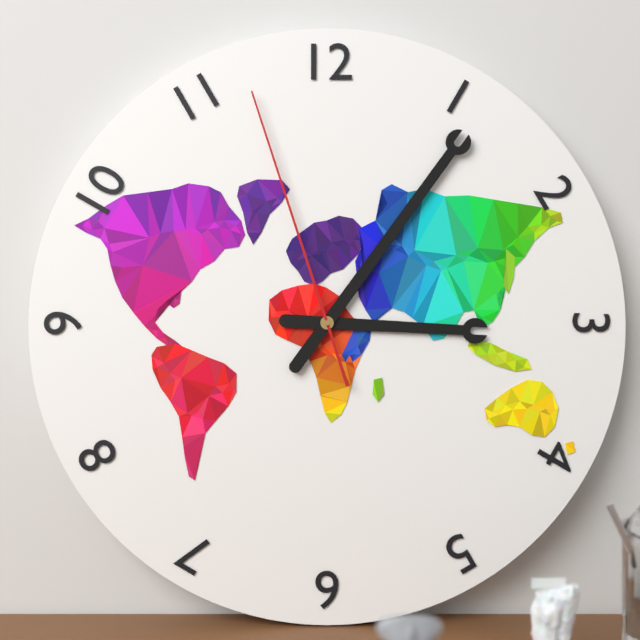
3:06:57
